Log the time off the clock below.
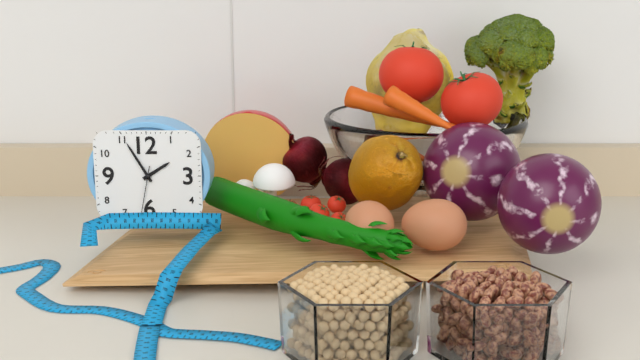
1:55:32
